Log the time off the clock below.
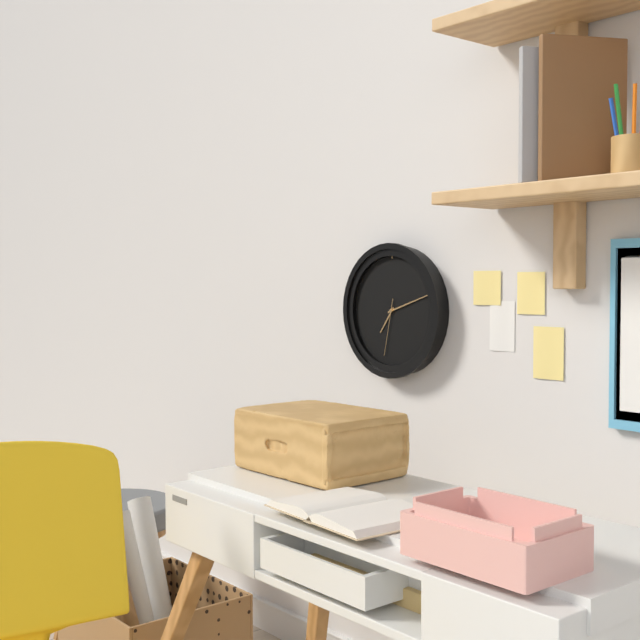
7:12:32
